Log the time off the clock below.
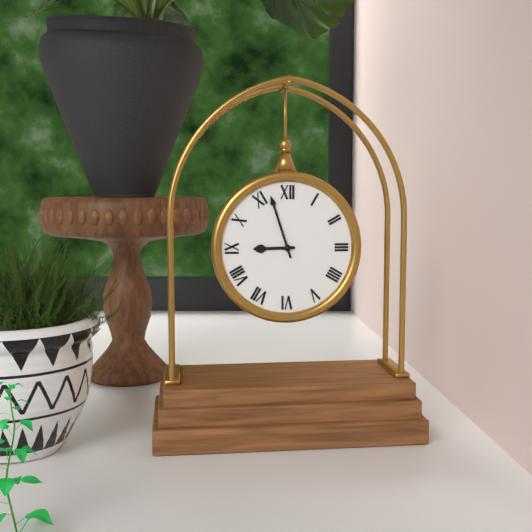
8:57
